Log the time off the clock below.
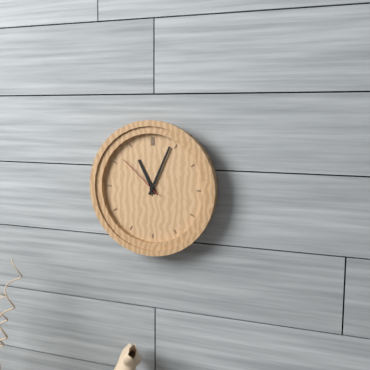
11:04:52
